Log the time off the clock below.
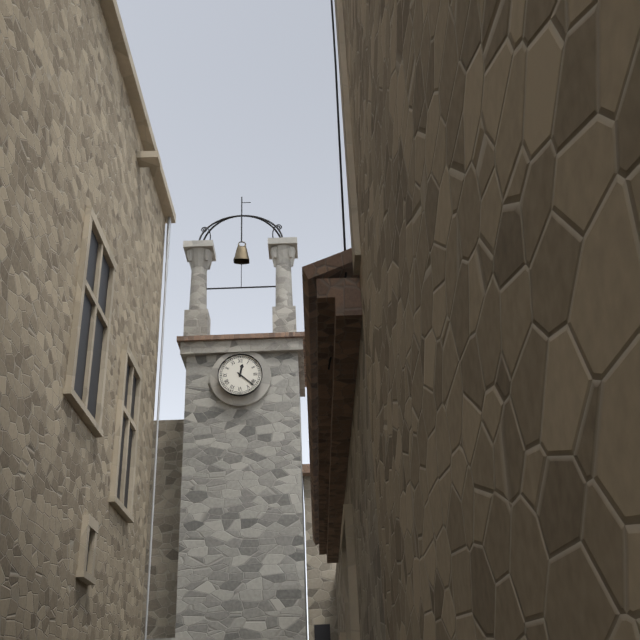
12:22
